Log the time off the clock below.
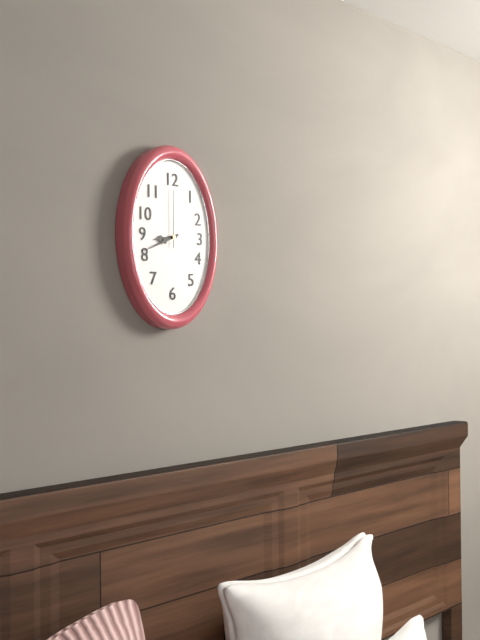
8:41:00
